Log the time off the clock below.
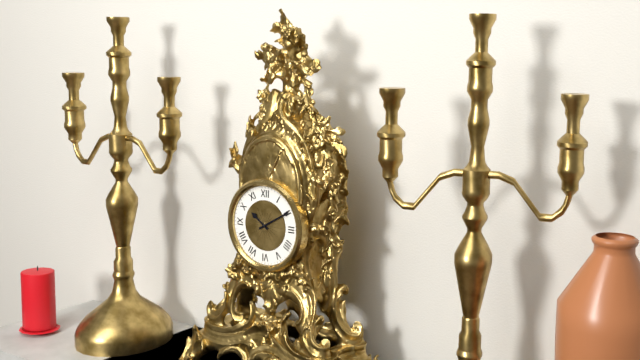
10:10
